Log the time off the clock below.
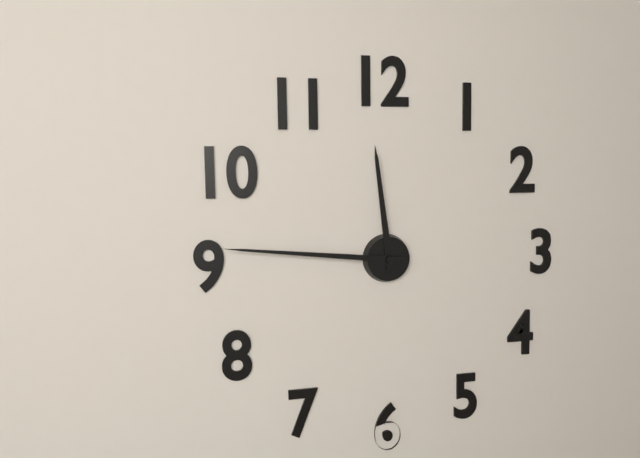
11:46
